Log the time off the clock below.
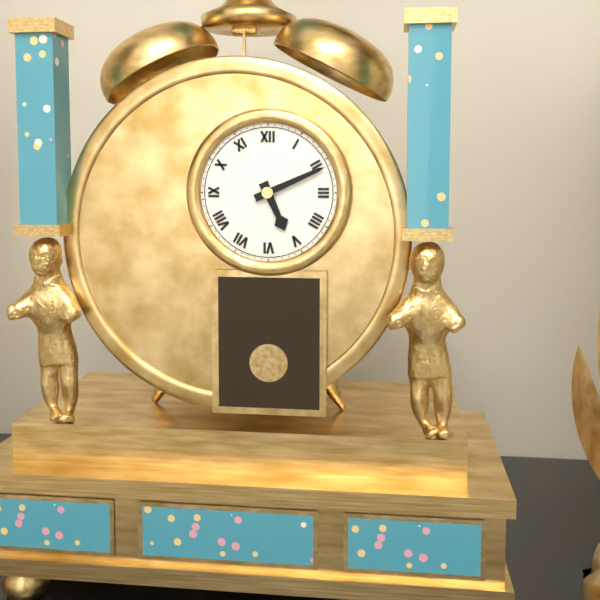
5:11
